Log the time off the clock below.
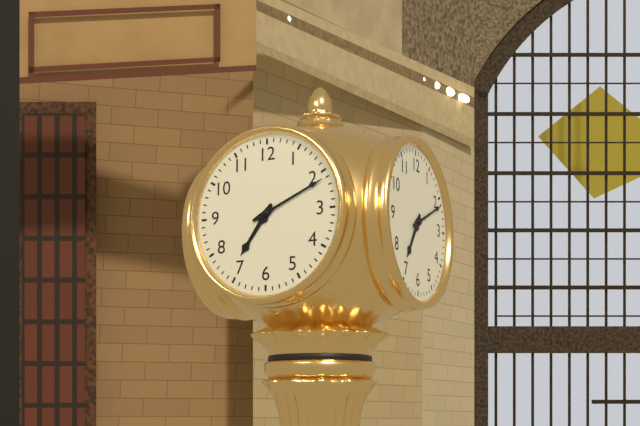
7:11
